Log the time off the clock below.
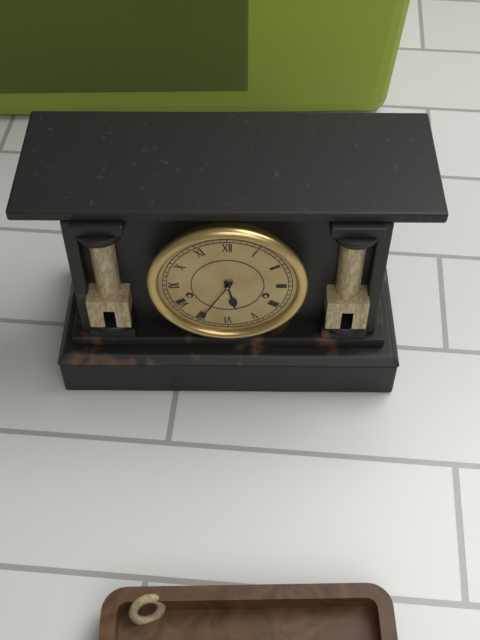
5:35
